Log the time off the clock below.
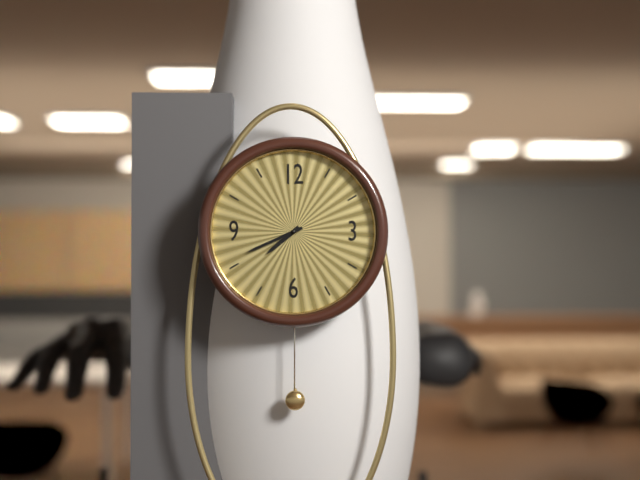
7:41
